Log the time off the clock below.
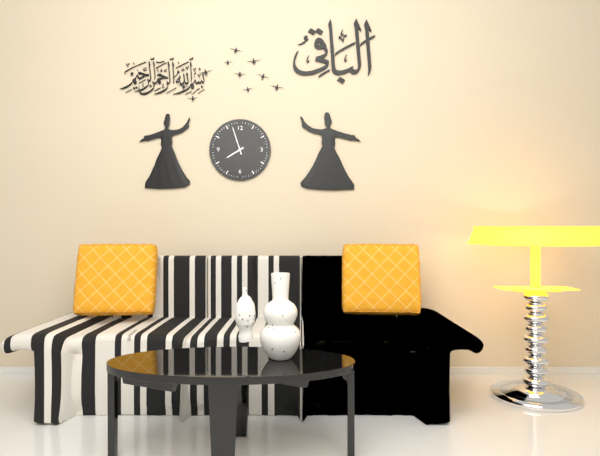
7:57
